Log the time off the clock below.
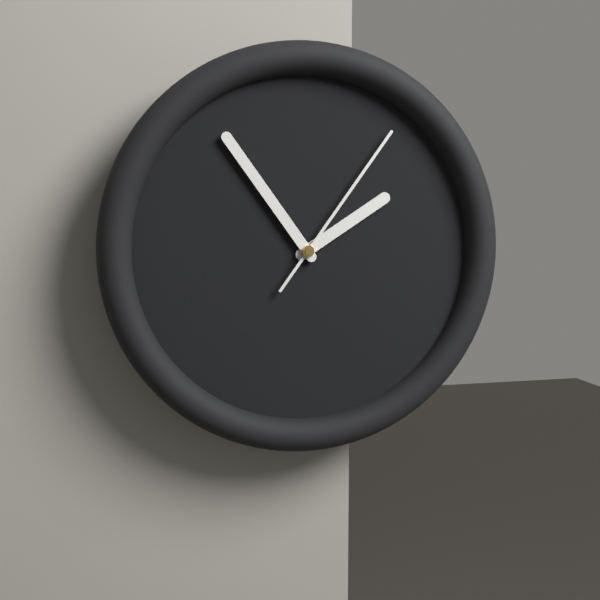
1:54:06
